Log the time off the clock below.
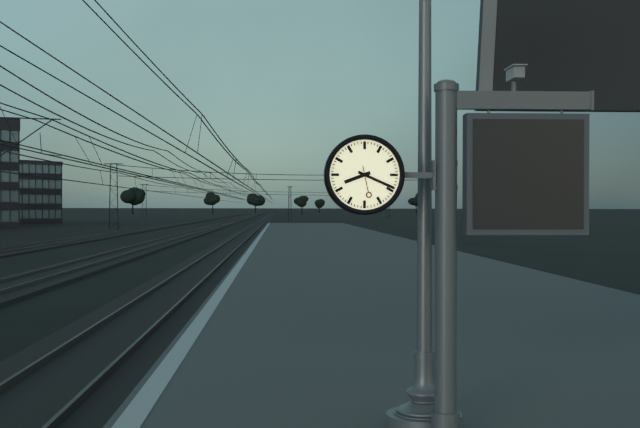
8:19
